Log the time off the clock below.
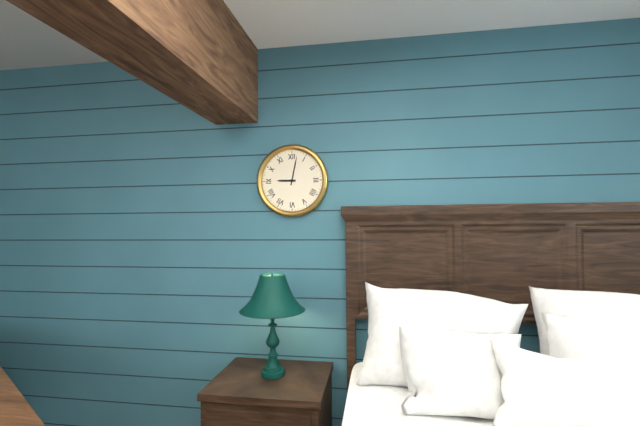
9:02
